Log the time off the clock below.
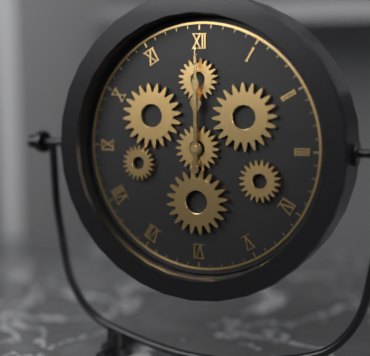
12:00
